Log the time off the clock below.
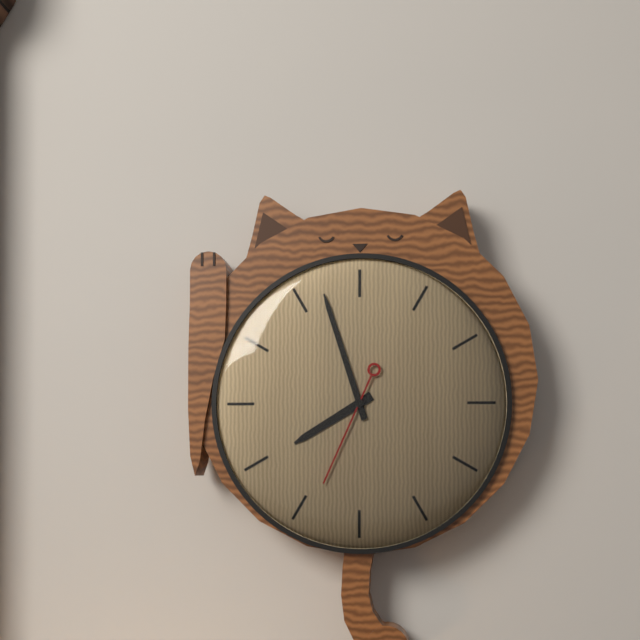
7:57:34
